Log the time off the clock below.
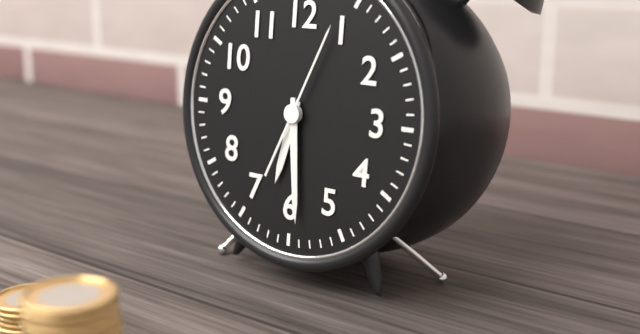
6:29:04
